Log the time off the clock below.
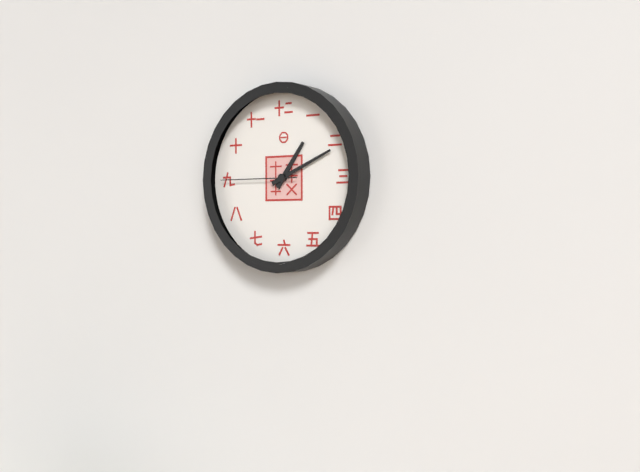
1:11:45
